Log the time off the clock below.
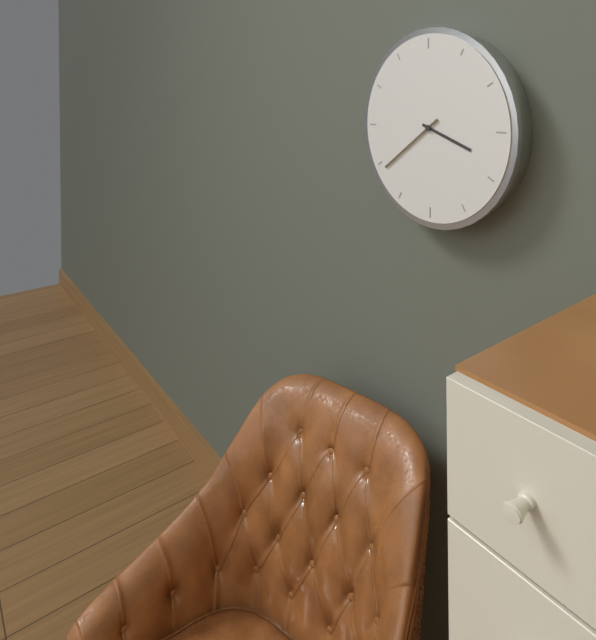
3:39
